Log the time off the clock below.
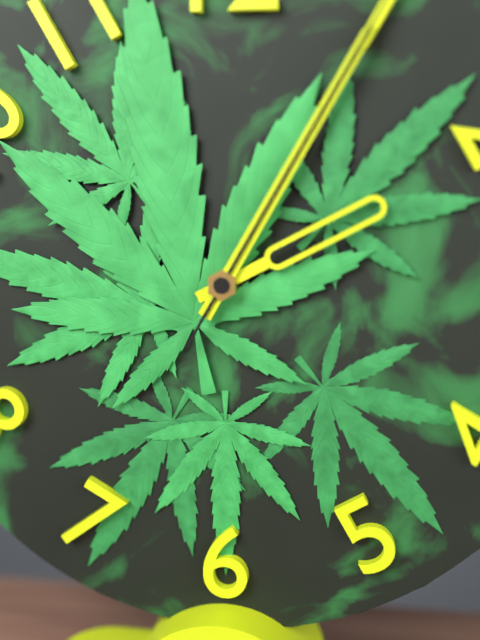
2:05
